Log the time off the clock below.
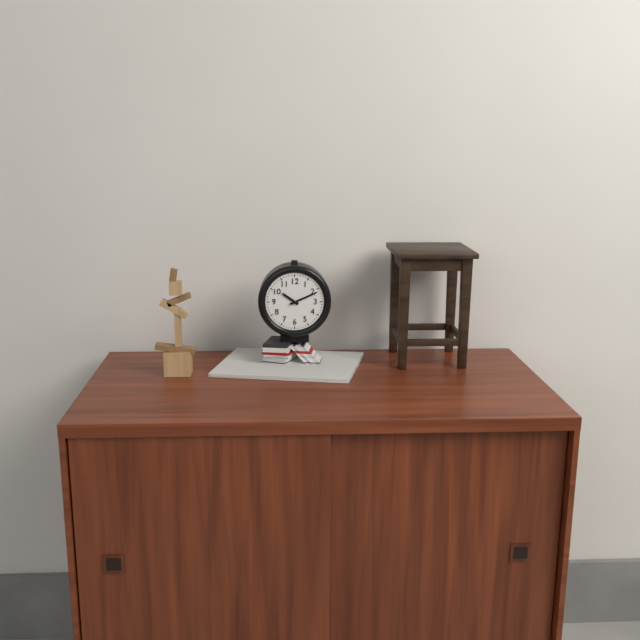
10:11
